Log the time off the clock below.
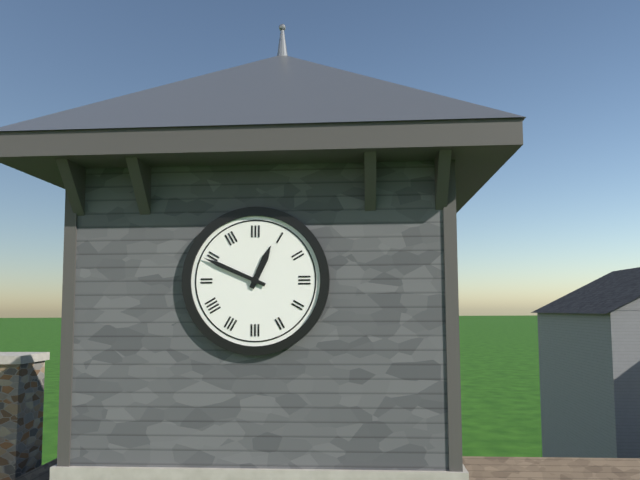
12:49
